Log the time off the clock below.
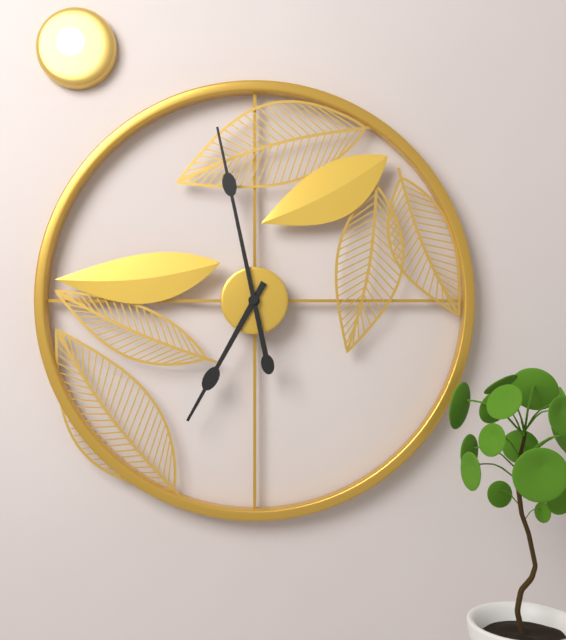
6:58
